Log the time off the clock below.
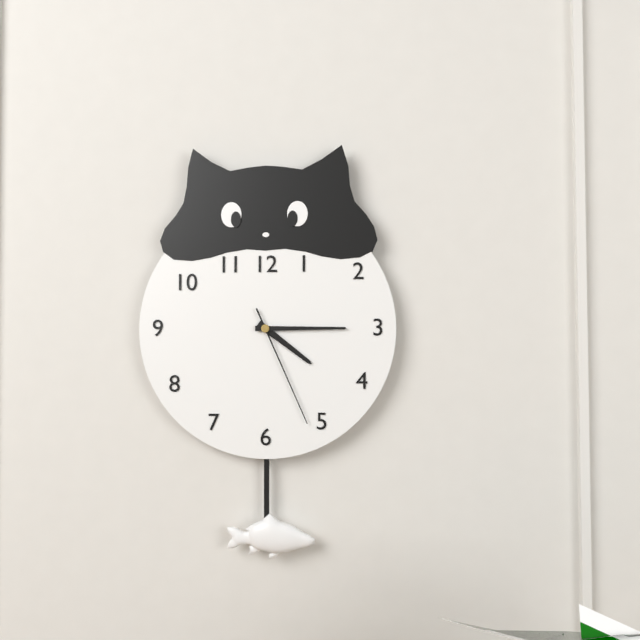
4:15:26
